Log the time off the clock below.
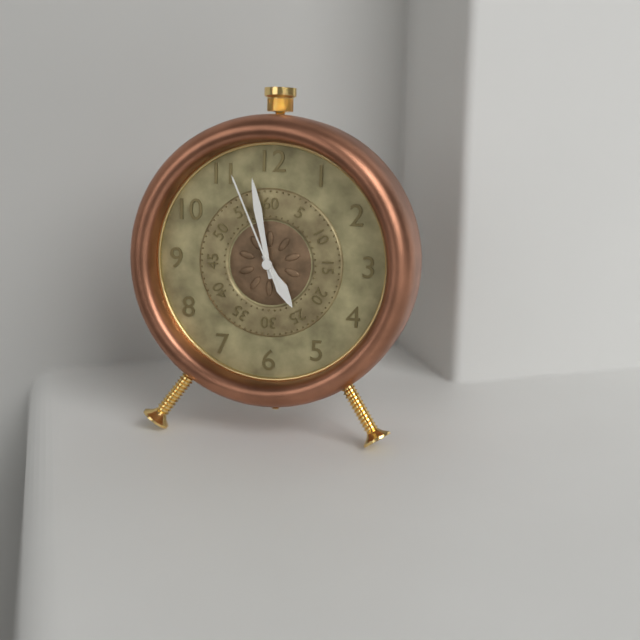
4:58:56
